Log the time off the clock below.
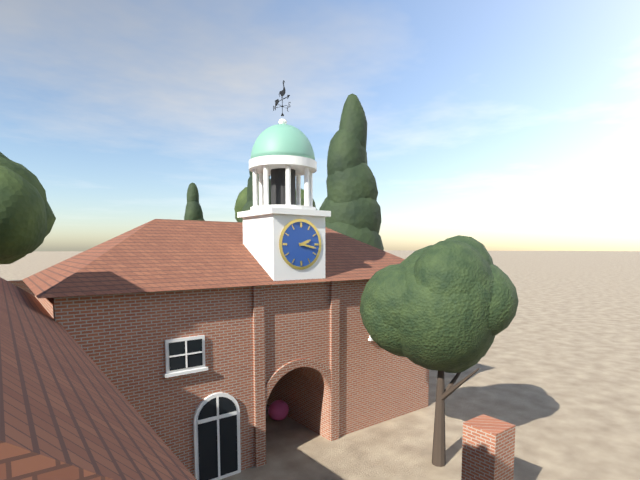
2:17
